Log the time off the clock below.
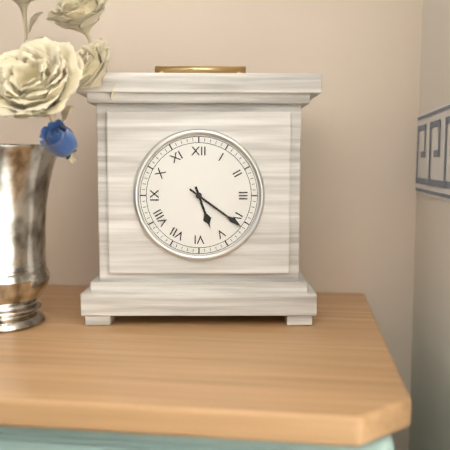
5:21
